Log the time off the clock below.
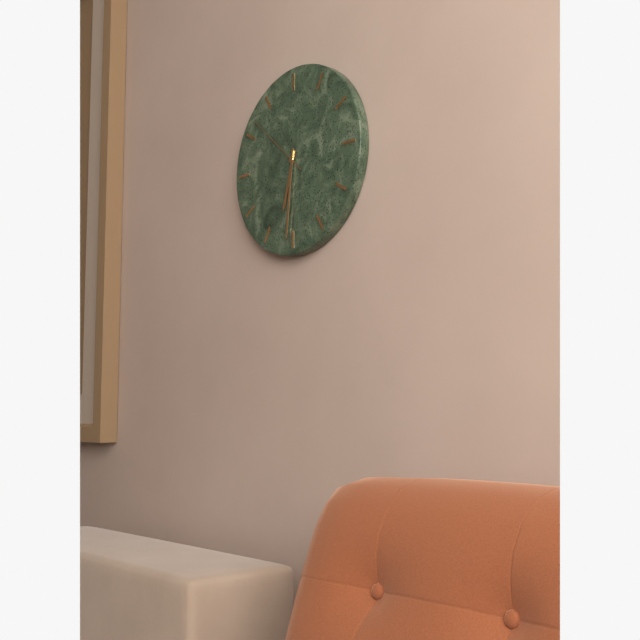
6:31:52
